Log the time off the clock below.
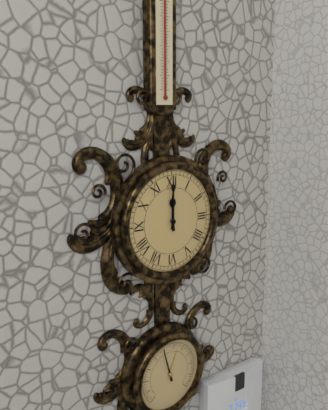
12:00
